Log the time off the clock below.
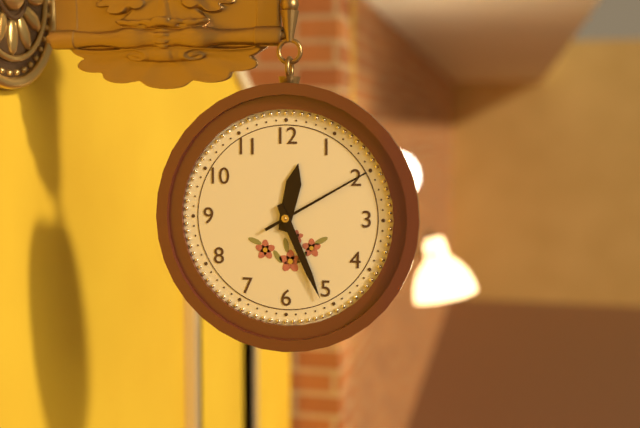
12:26:10
